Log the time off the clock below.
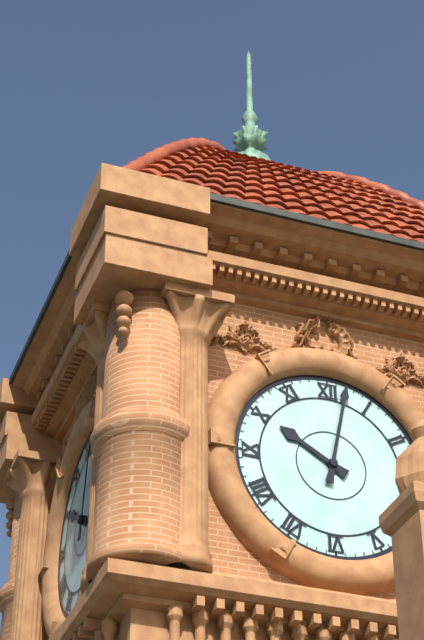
10:02
